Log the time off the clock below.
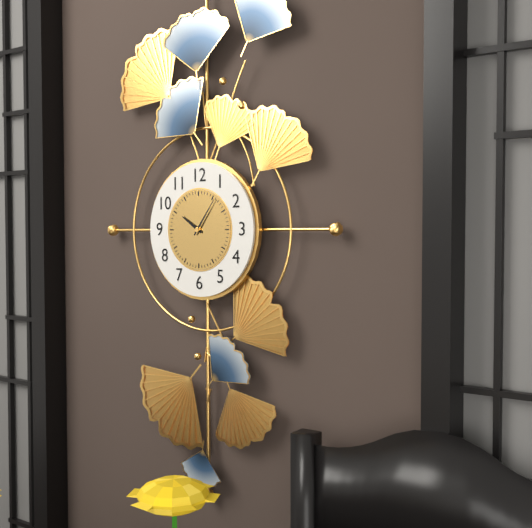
10:06
